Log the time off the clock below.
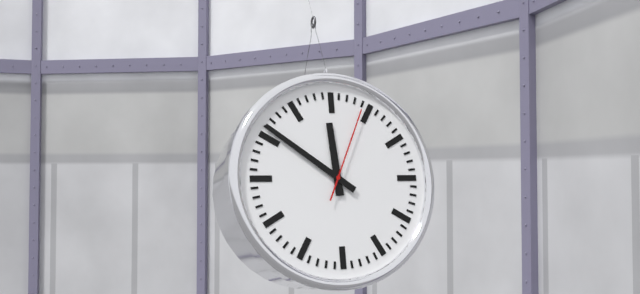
11:51:04
